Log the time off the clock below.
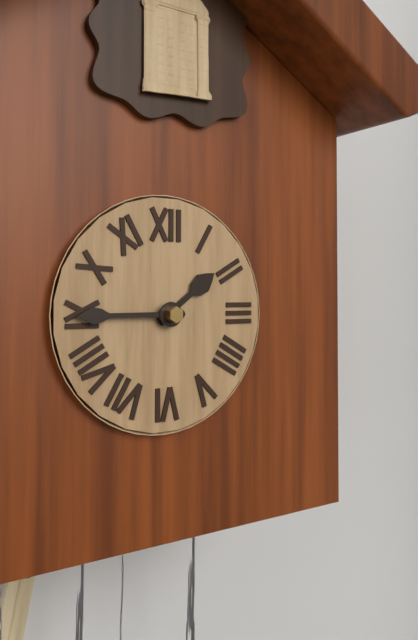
1:45
